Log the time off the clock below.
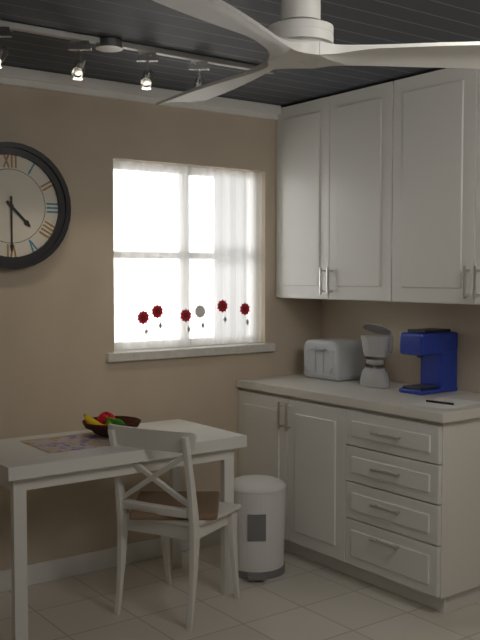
4:30
